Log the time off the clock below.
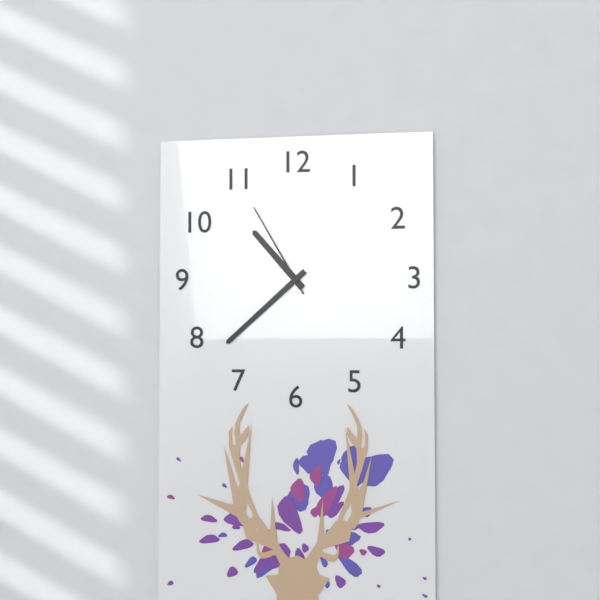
10:38:55
